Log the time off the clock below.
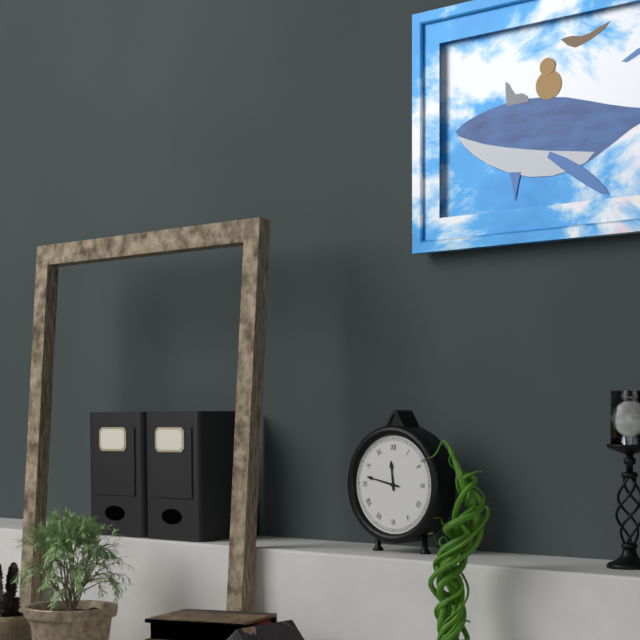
11:47
